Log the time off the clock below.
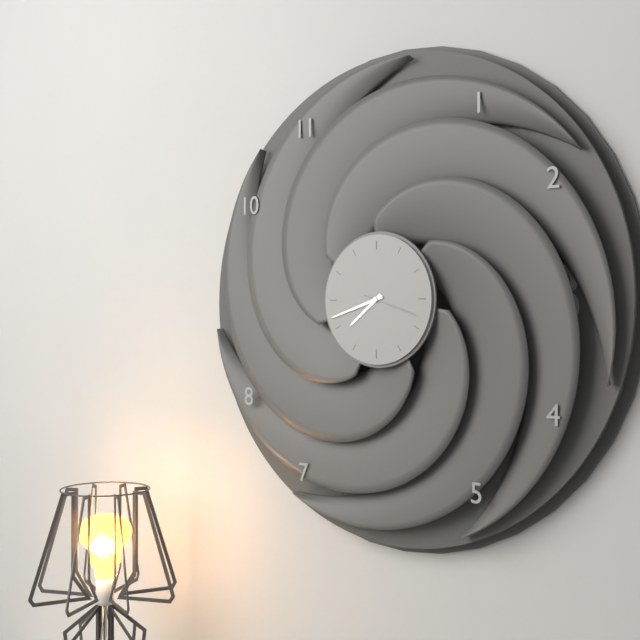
7:42:18
